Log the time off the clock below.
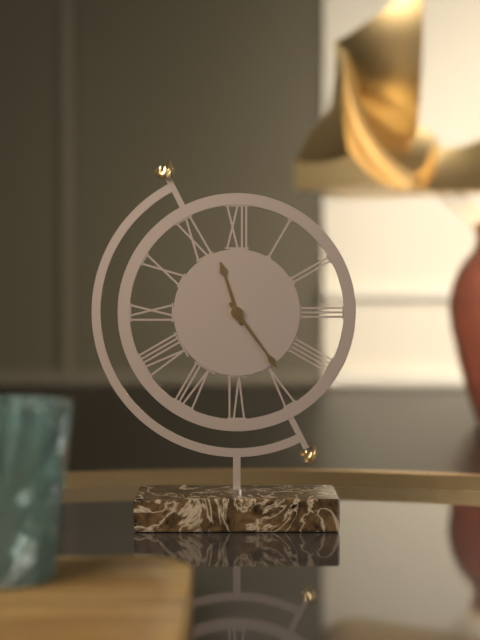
11:24
